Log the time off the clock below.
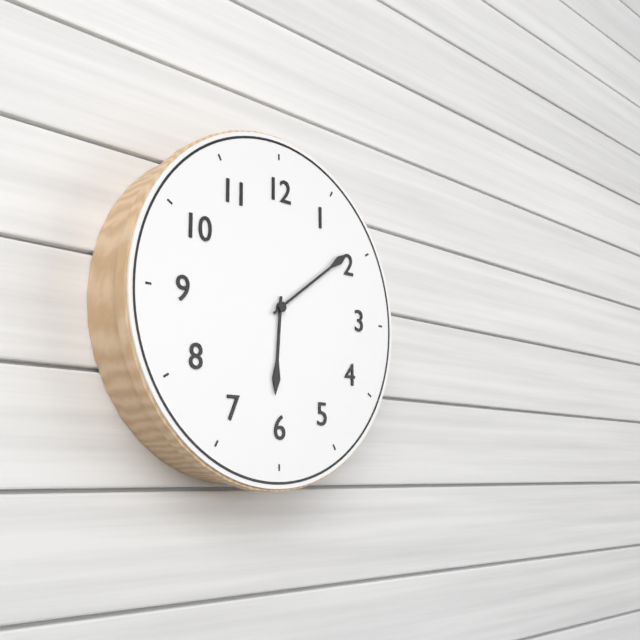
6:09
